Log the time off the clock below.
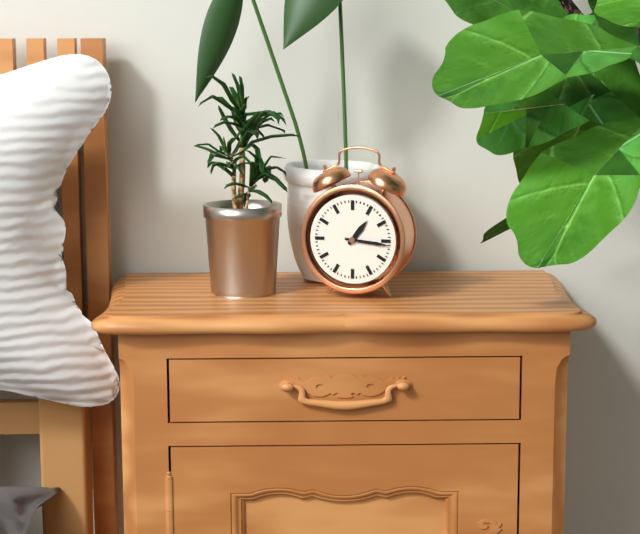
1:16
